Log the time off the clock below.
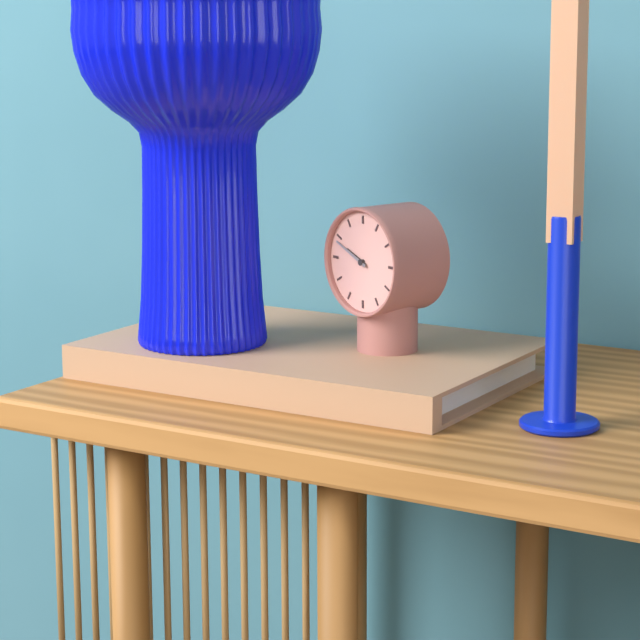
9:49
